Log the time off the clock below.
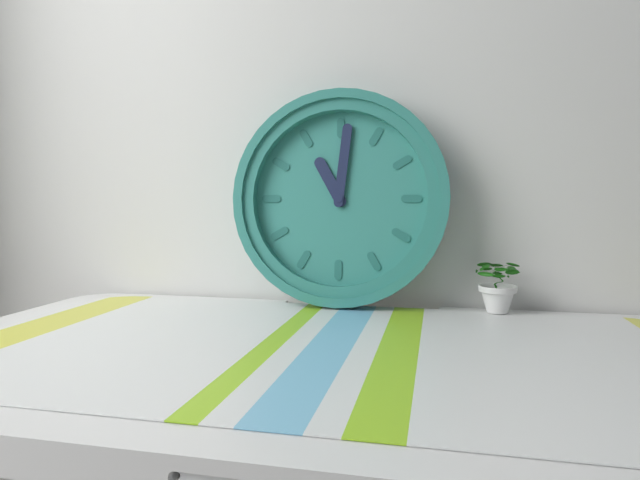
11:01
